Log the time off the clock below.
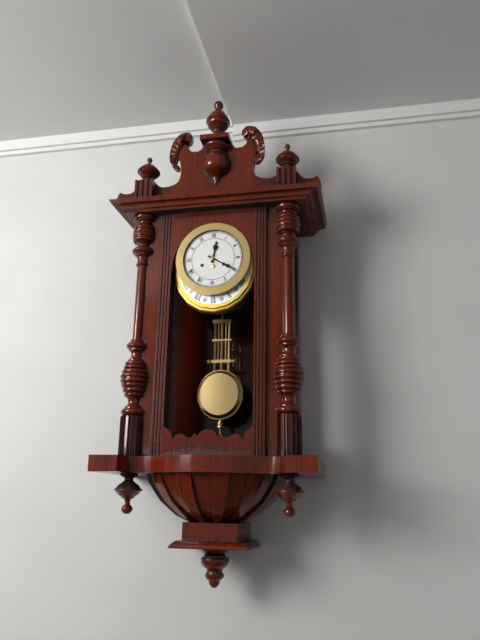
12:20
